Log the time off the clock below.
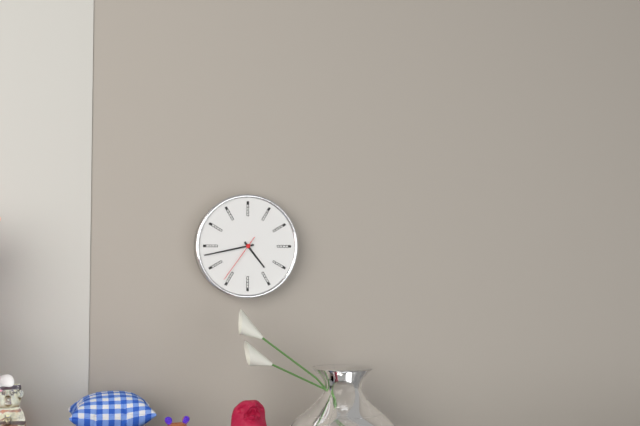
4:43:36
